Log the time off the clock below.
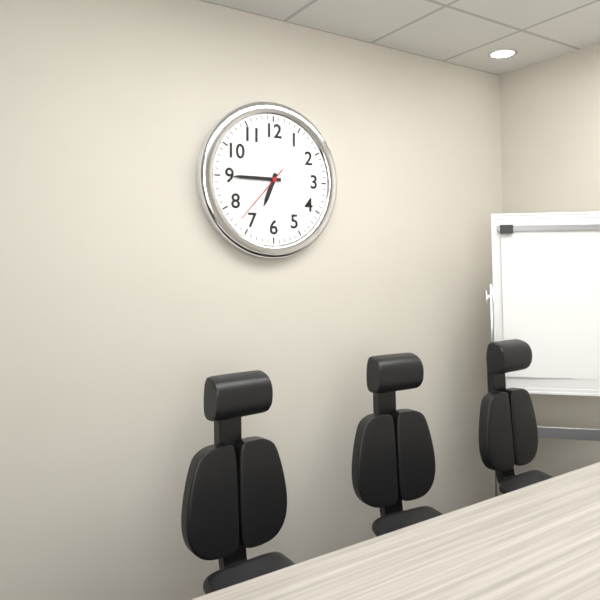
6:45:37
